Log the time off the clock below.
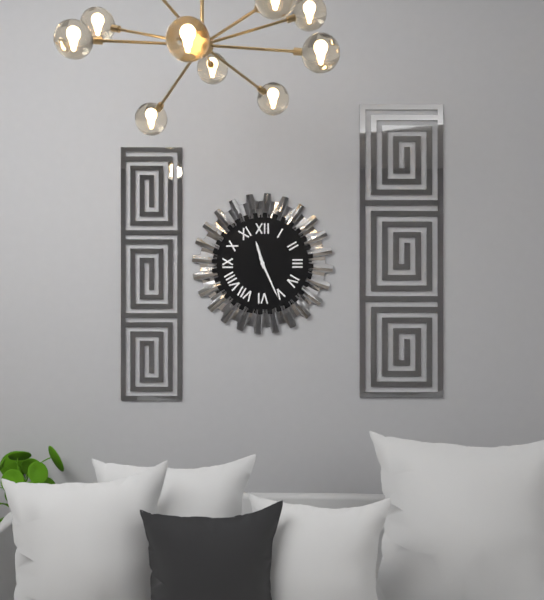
11:26
